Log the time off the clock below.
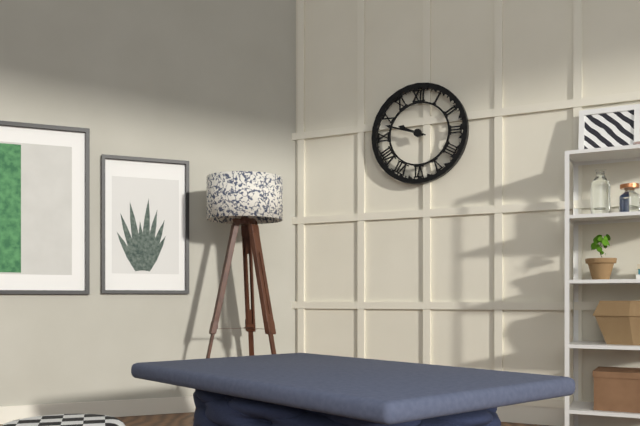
9:48
